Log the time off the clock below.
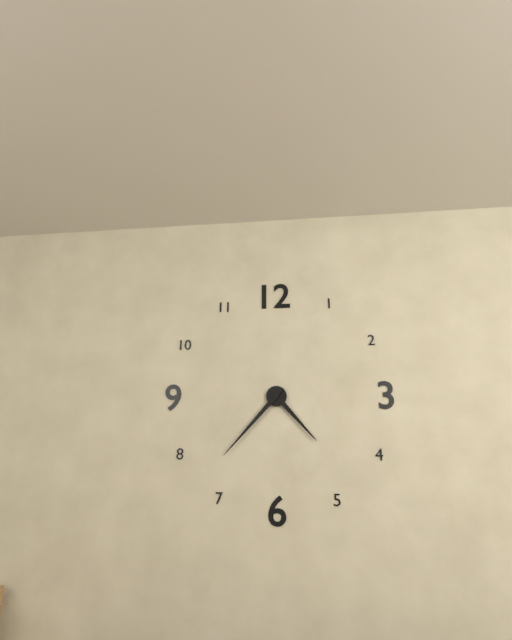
4:37
